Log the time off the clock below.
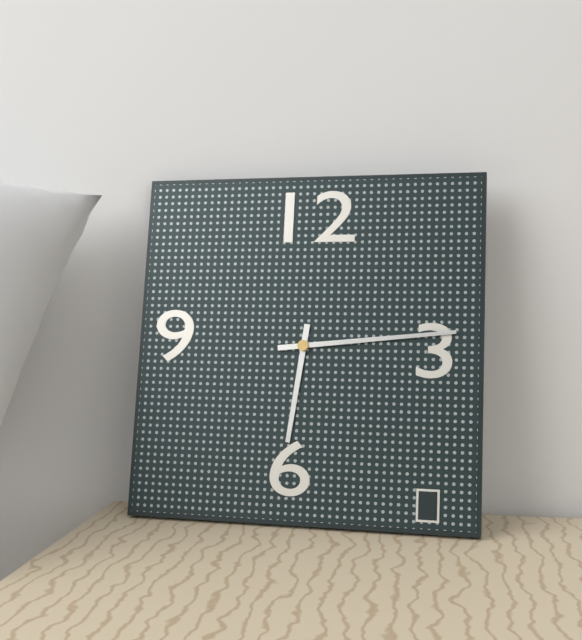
6:14
